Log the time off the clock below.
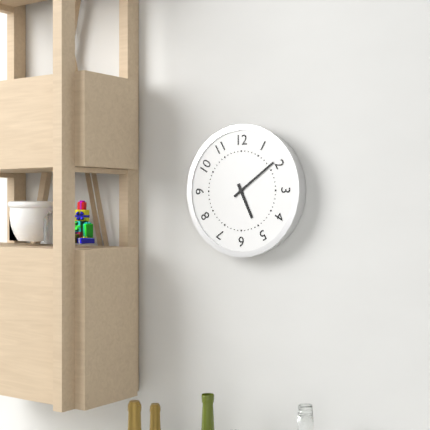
5:09
